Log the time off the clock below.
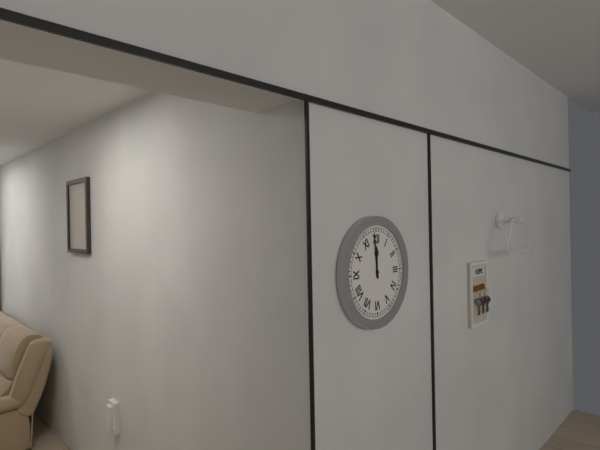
11:59
